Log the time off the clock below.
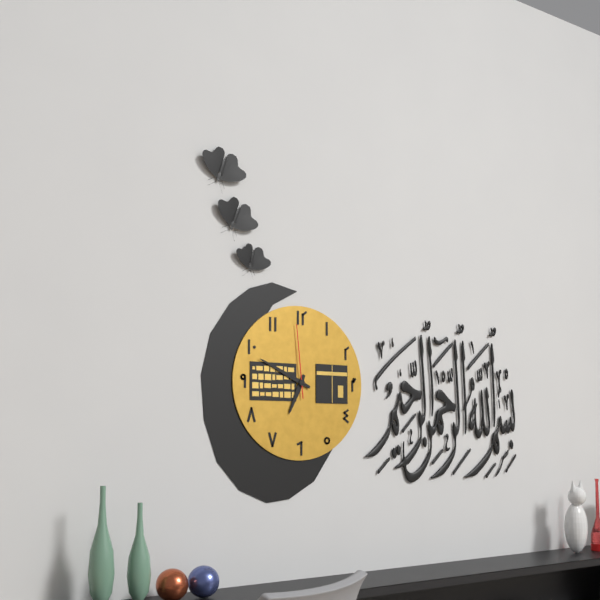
6:49:59
